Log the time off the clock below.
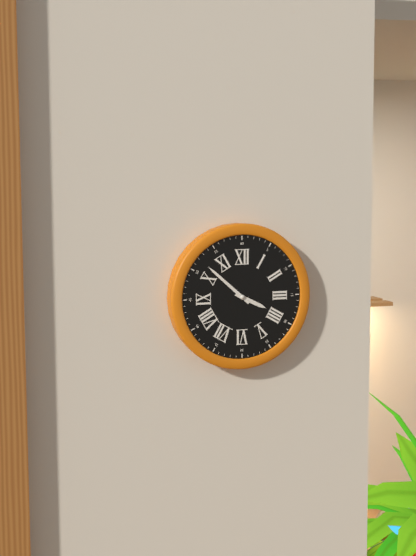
3:52
